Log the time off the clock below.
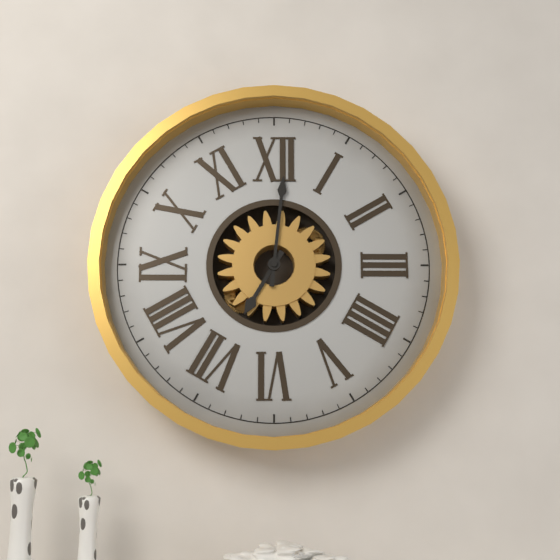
7:01
